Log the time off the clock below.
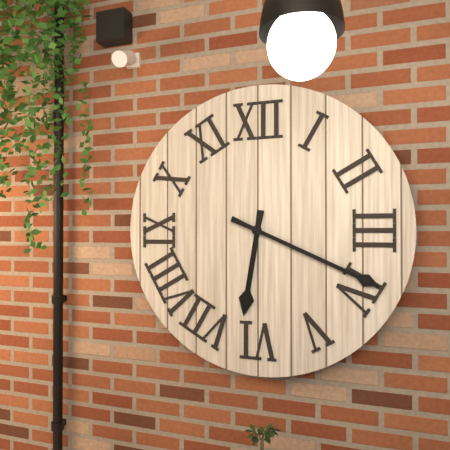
6:19
